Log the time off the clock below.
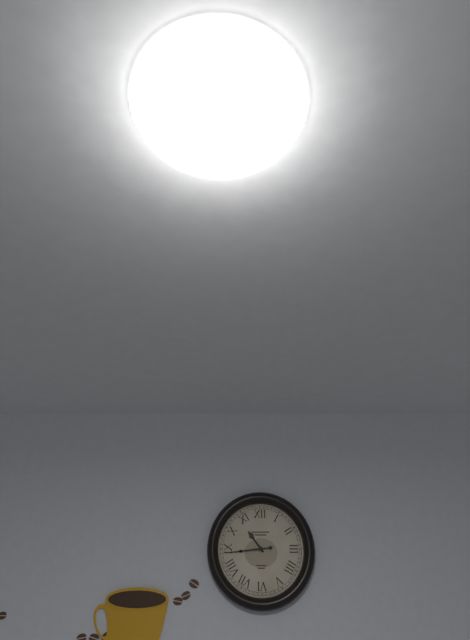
10:44
